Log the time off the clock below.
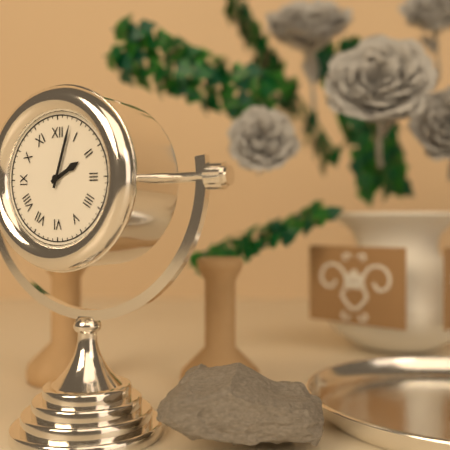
2:03
